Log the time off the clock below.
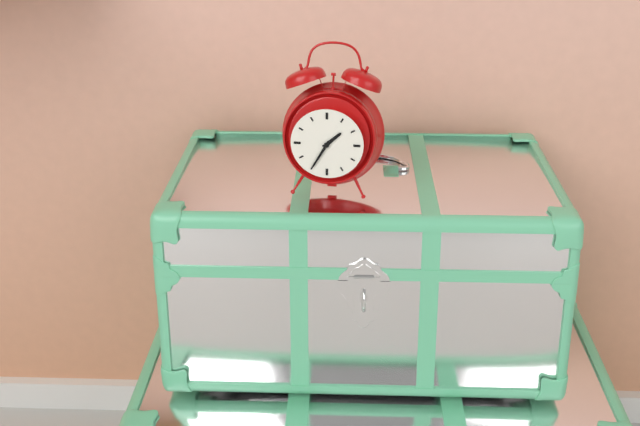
1:35
